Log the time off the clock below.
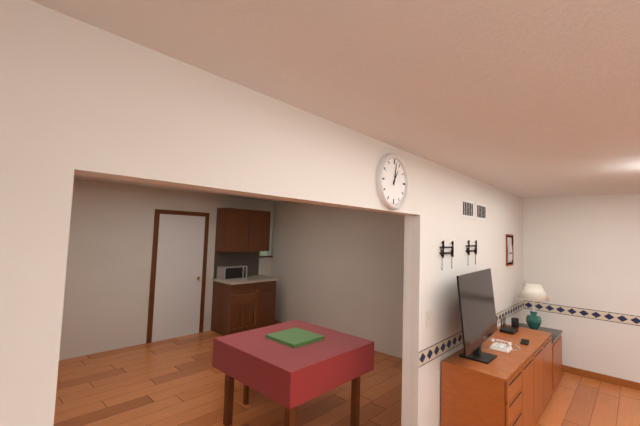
1:02
